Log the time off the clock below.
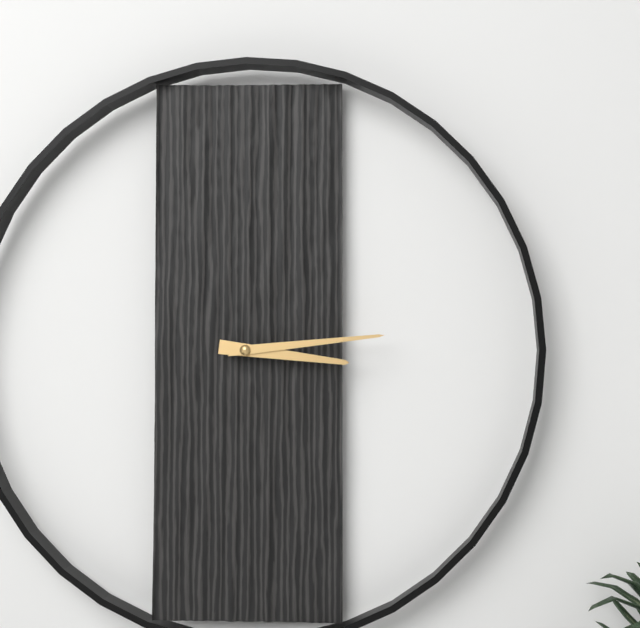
3:14
